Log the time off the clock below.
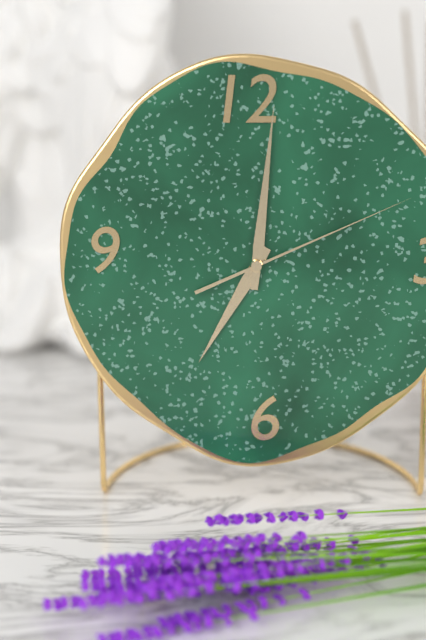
7:01:11
